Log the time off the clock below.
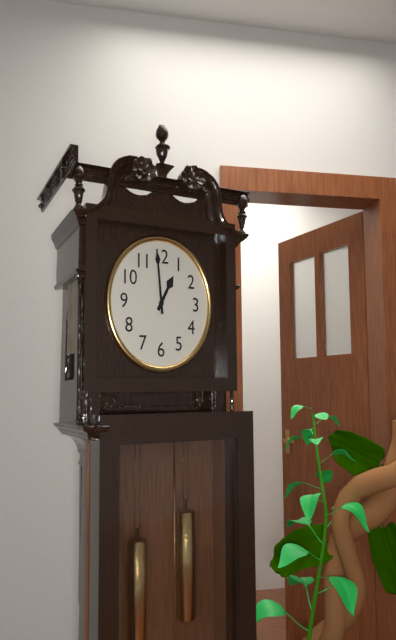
12:59
